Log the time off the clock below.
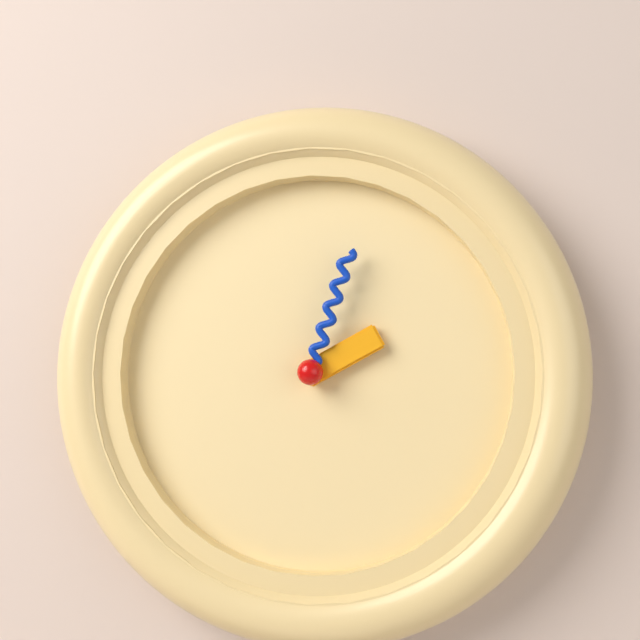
2:03
